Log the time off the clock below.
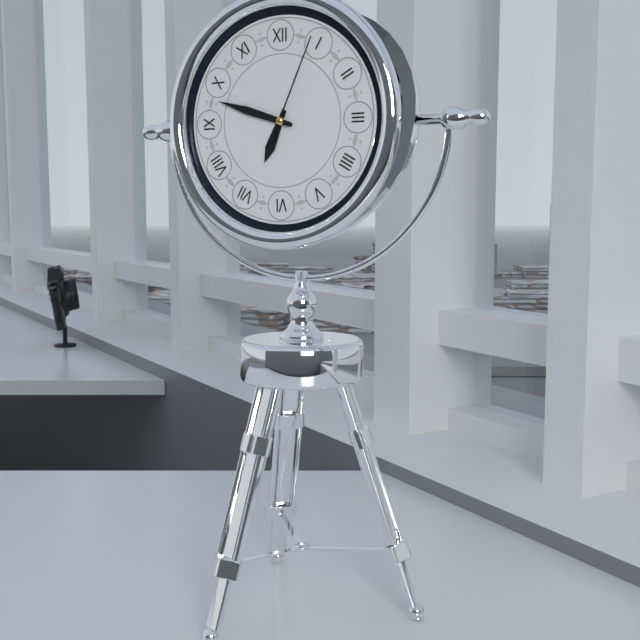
6:48:04
